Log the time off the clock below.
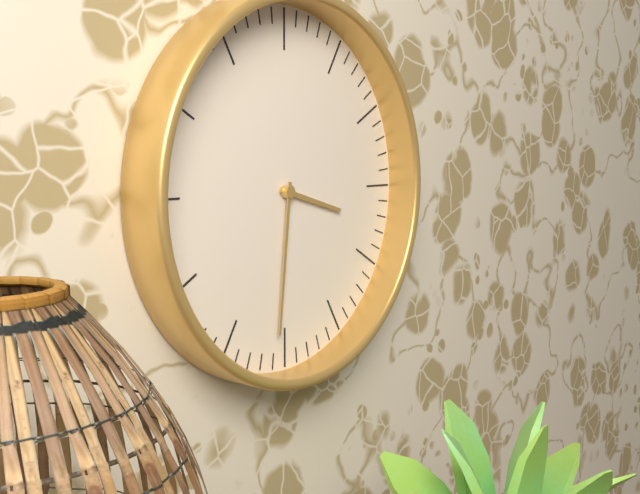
3:31
